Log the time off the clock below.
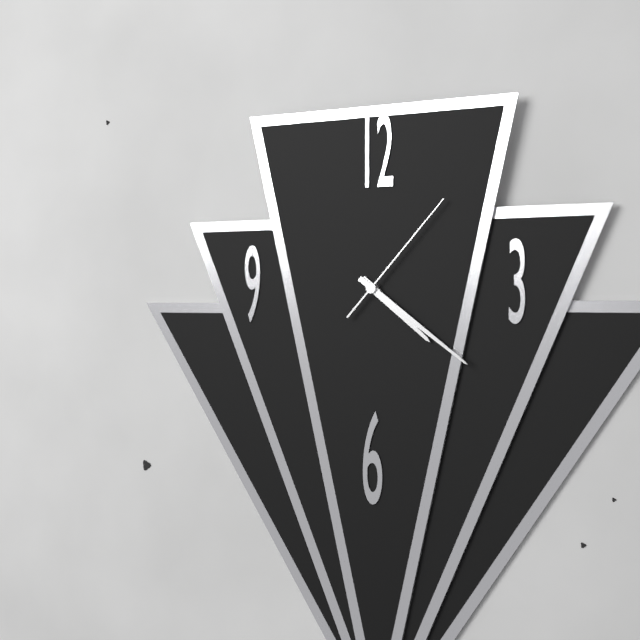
4:21:07
